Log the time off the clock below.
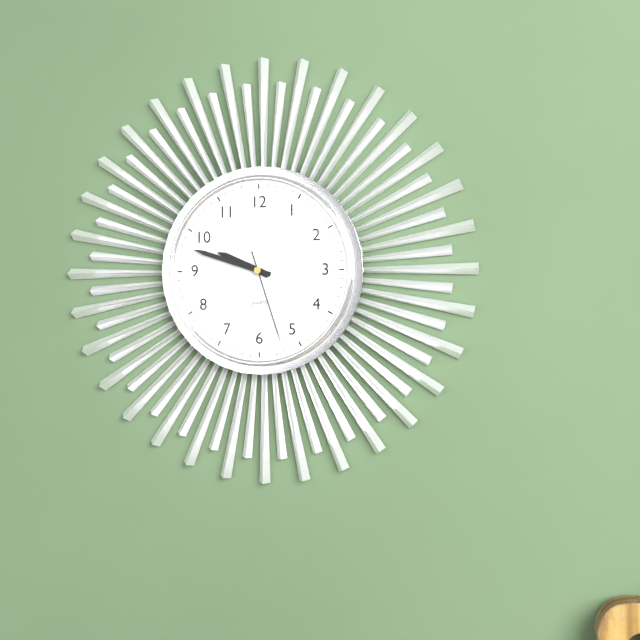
9:48:27
